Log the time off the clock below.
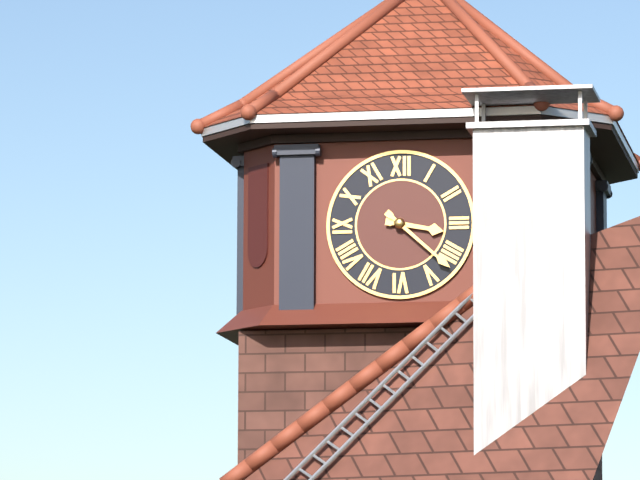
3:22
